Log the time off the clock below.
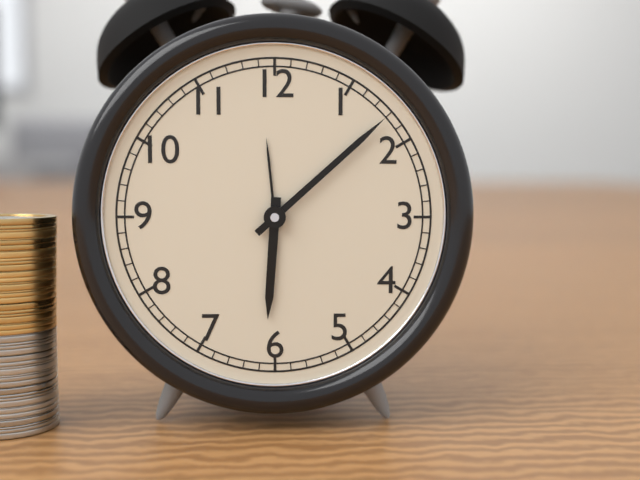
6:08
